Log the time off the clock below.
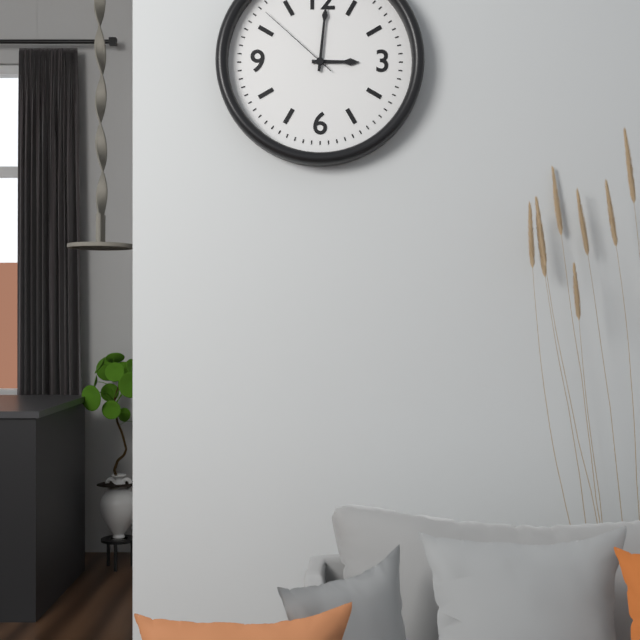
3:01:52
